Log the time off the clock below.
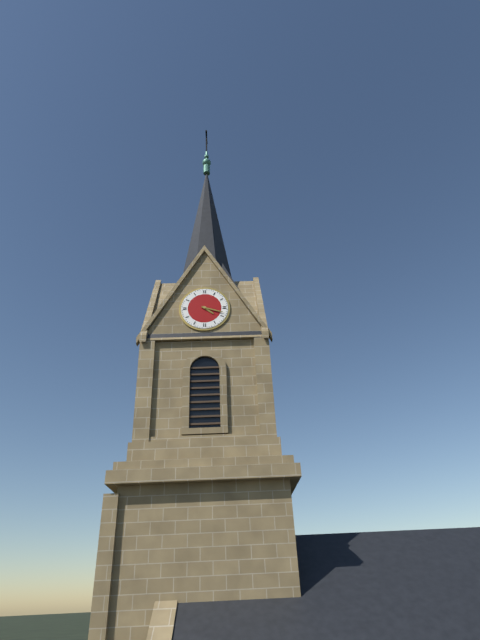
4:18
